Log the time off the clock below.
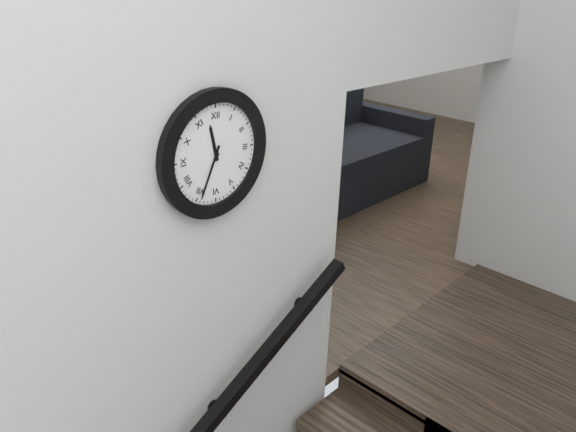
11:34
